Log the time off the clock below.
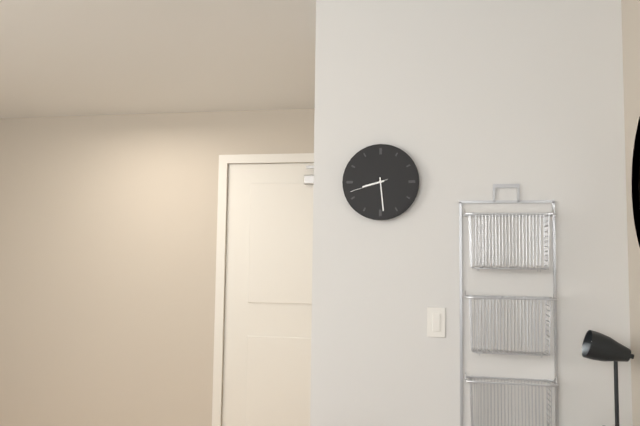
8:29
